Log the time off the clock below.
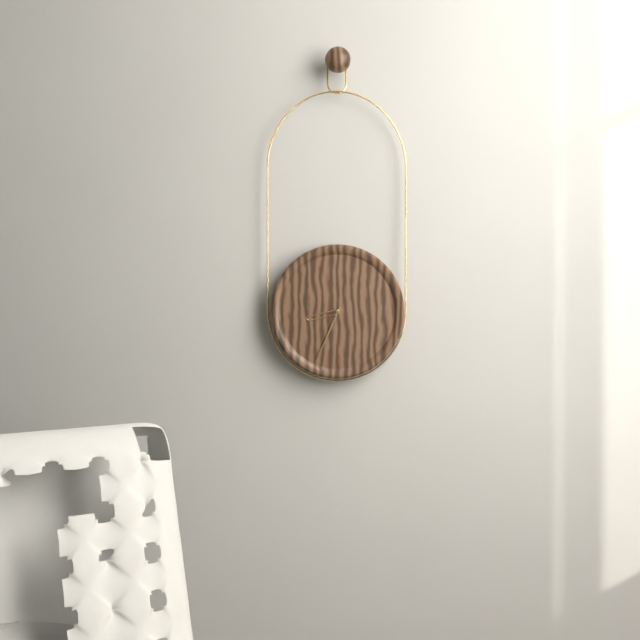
8:34
